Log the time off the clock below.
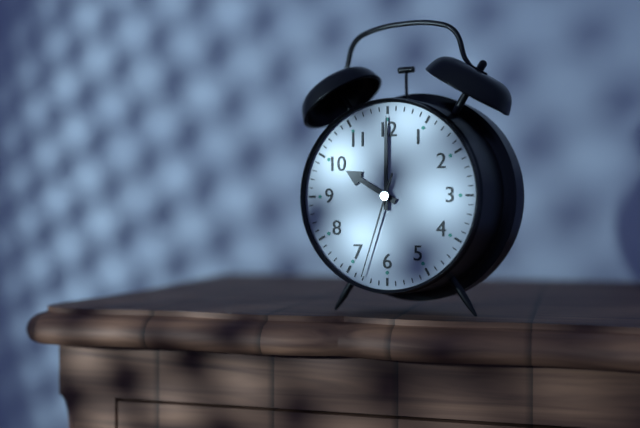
10:00:33
